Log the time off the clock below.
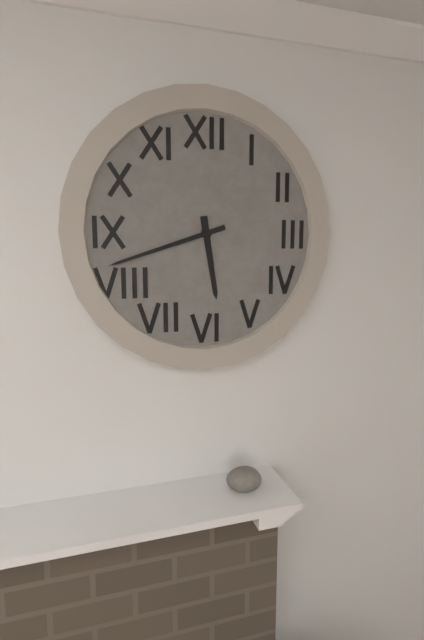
5:42
